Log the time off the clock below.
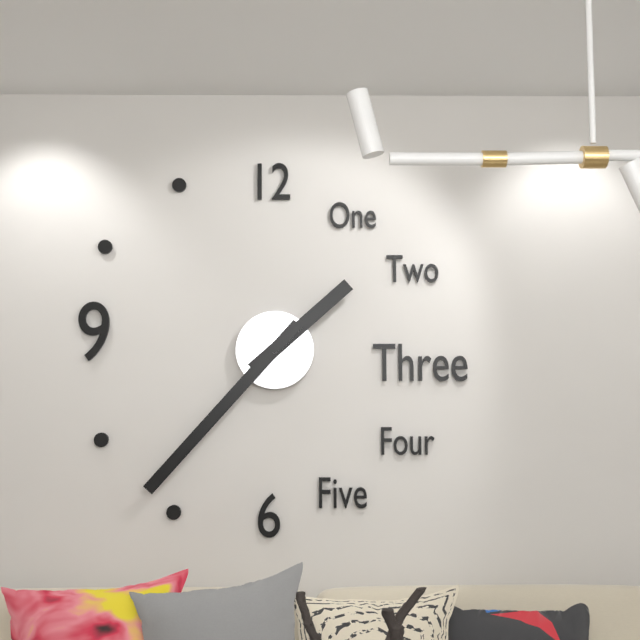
1:37
